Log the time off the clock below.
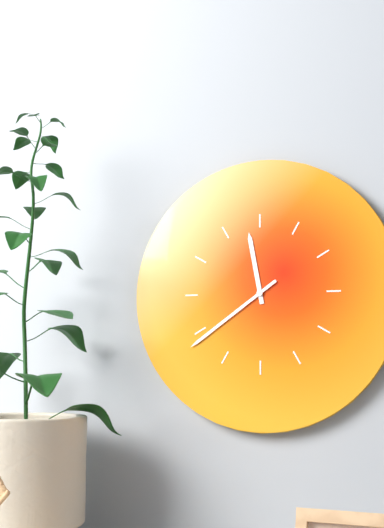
11:39
